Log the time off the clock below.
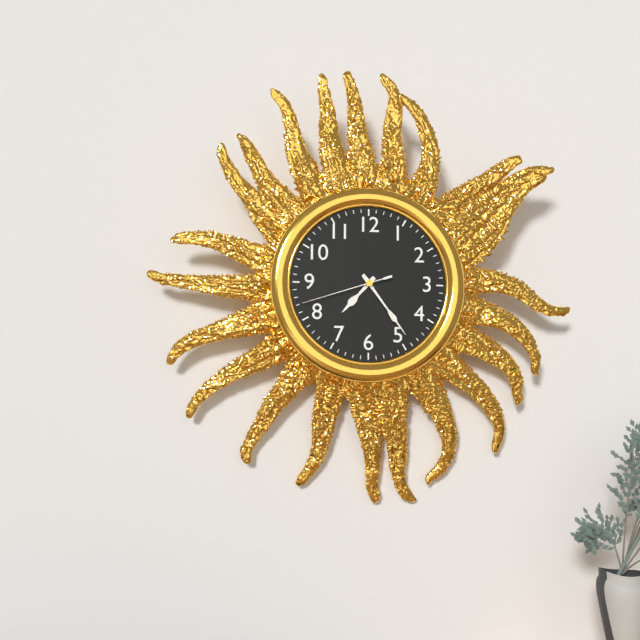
7:24:42
